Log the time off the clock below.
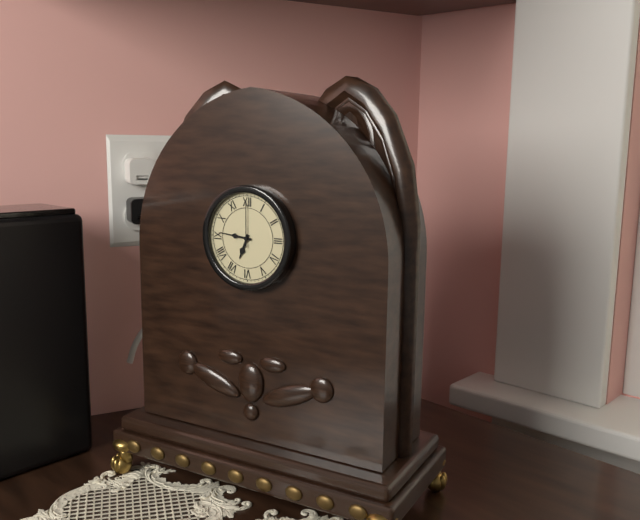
6:46
